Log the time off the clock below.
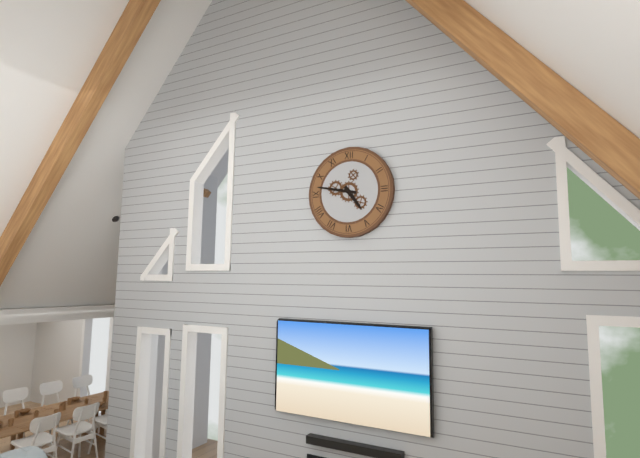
4:47
